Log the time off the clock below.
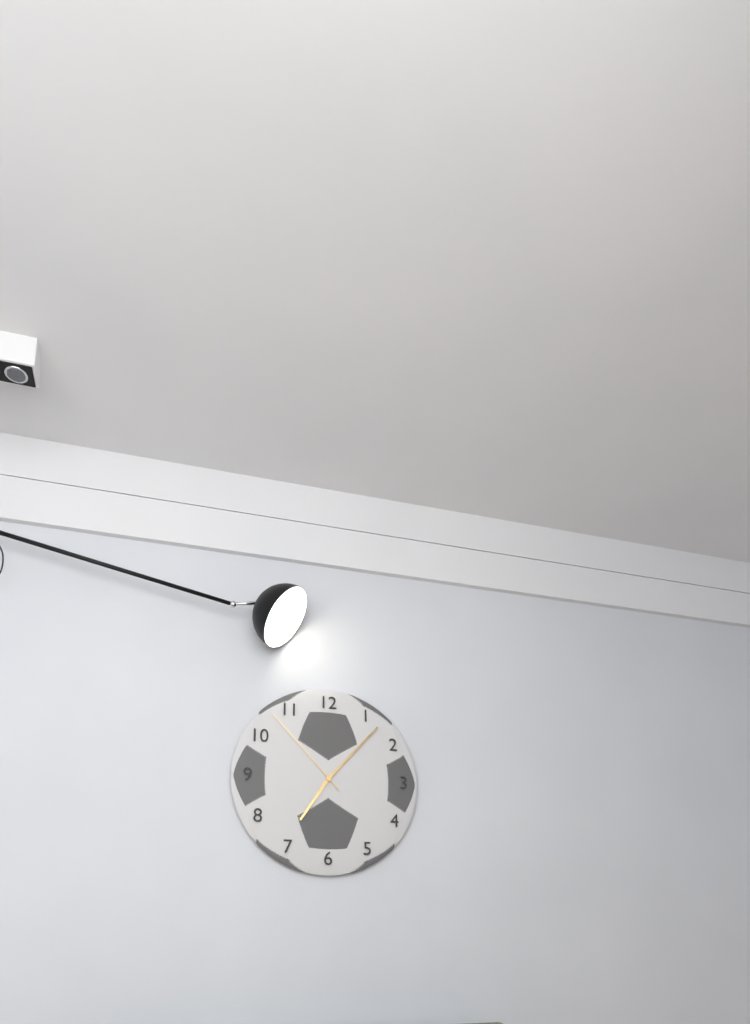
7:07:53
